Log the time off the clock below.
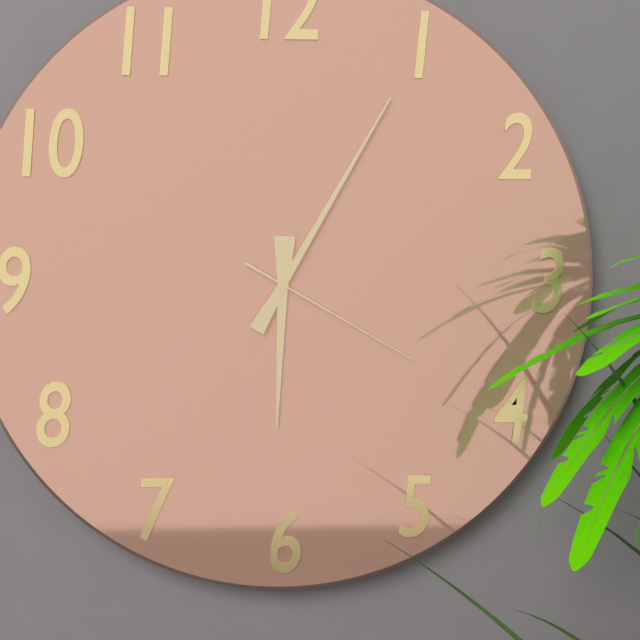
6:05:20
